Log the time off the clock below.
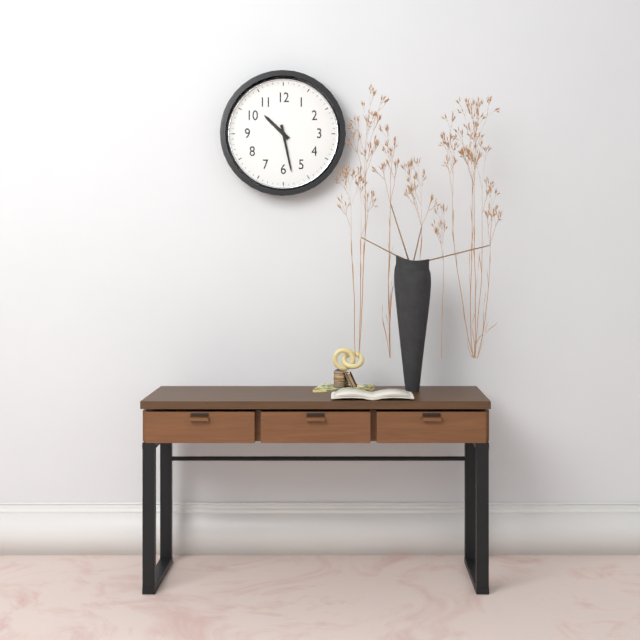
10:28
